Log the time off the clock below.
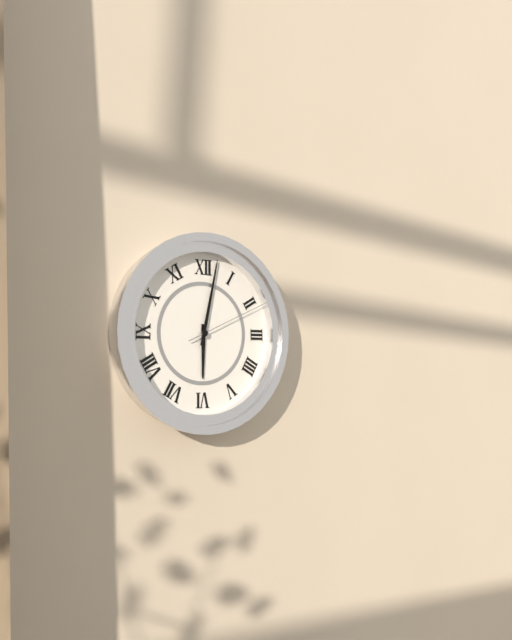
6:02:11
